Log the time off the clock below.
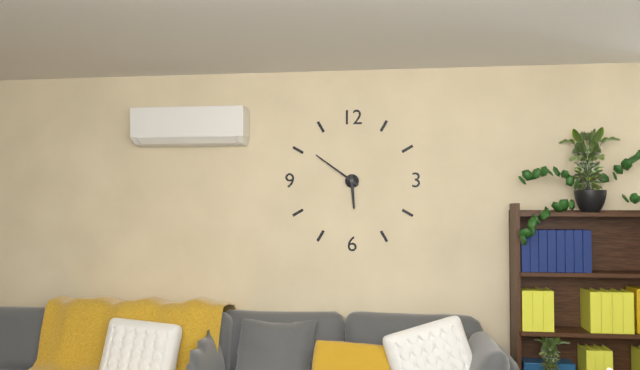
5:51
